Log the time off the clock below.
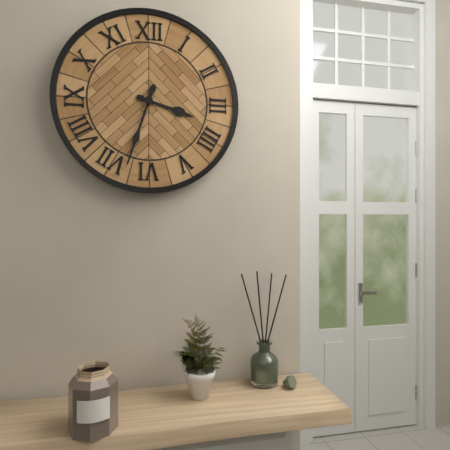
3:33
